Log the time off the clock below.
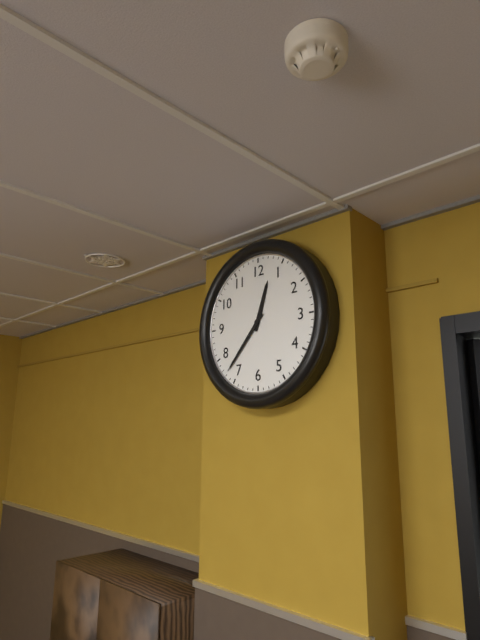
12:37
